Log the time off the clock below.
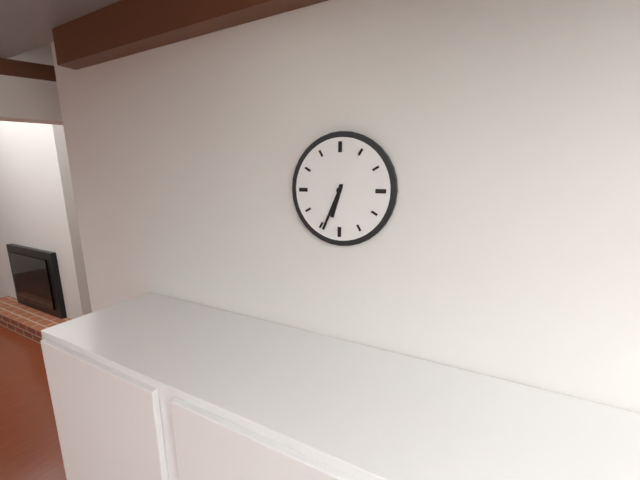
6:34
